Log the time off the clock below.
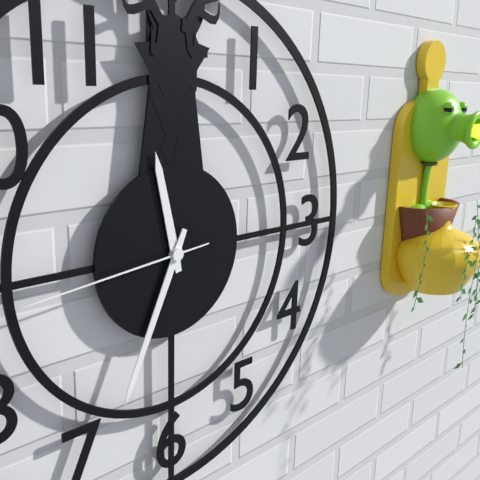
11:34:44
